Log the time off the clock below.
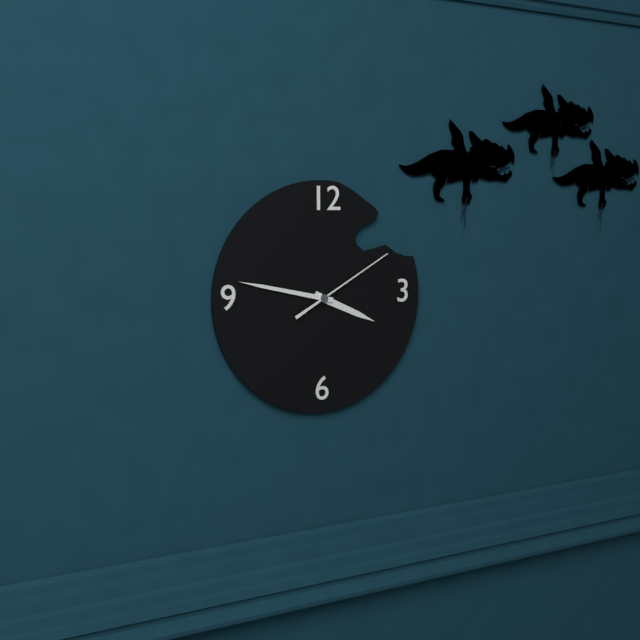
3:47:10
